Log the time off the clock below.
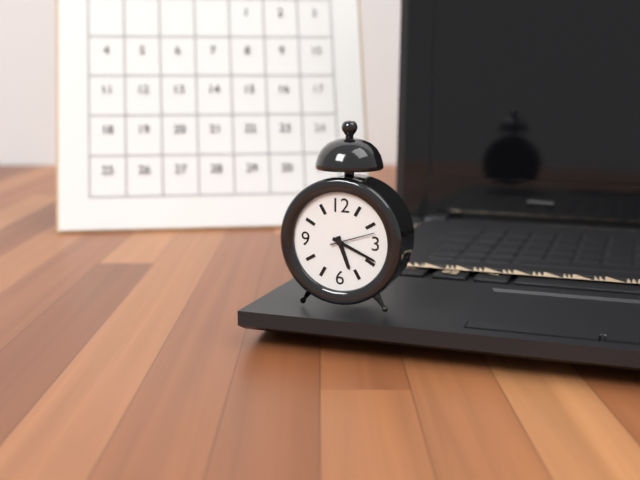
5:19
